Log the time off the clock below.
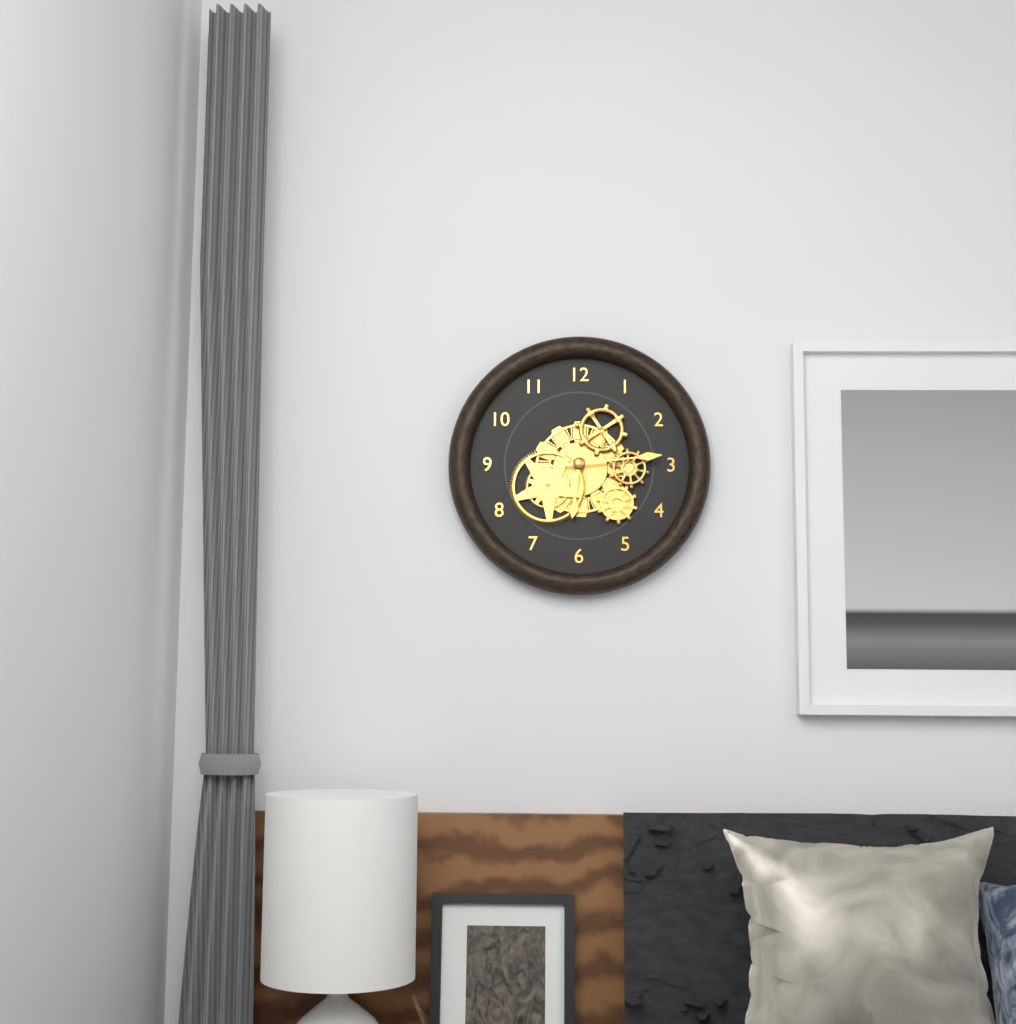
6:14
